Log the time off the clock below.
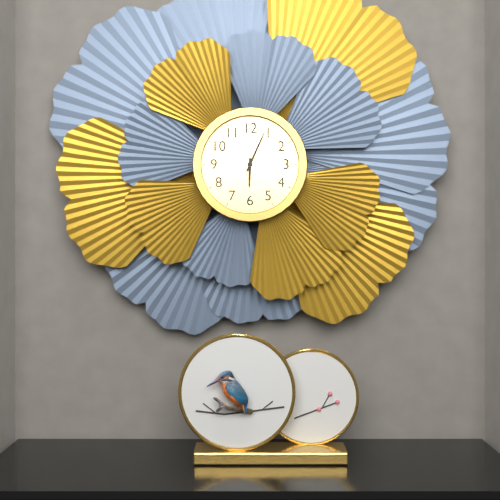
6:04
